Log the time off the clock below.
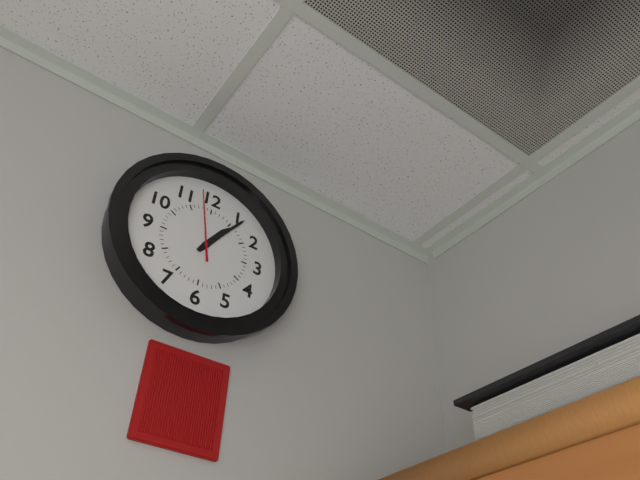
1:06:58
